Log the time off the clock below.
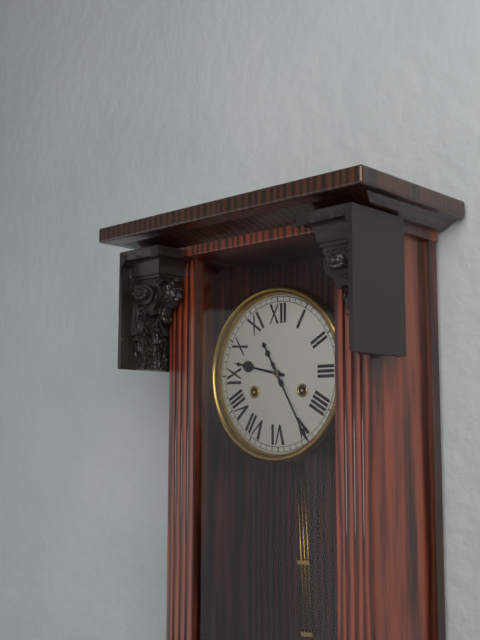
9:25
